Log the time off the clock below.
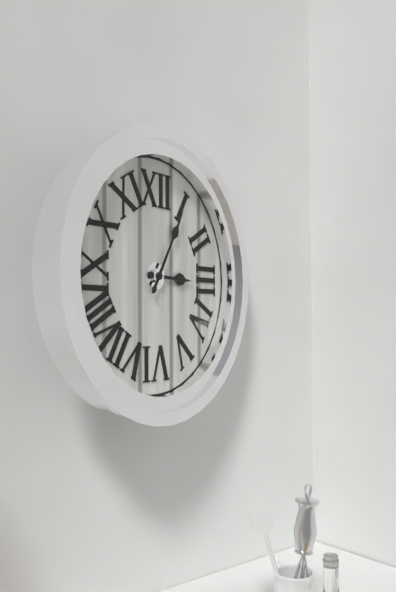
3:05
